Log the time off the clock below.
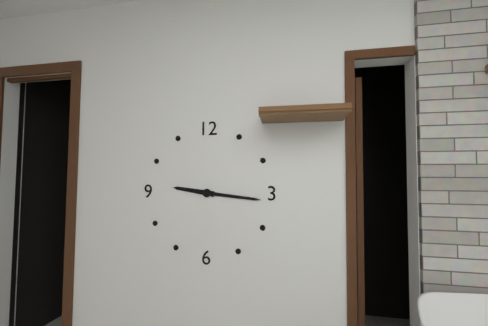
9:16
